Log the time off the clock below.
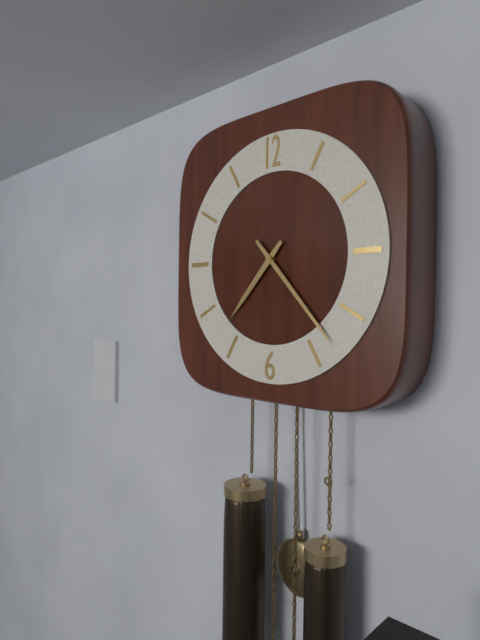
7:23
